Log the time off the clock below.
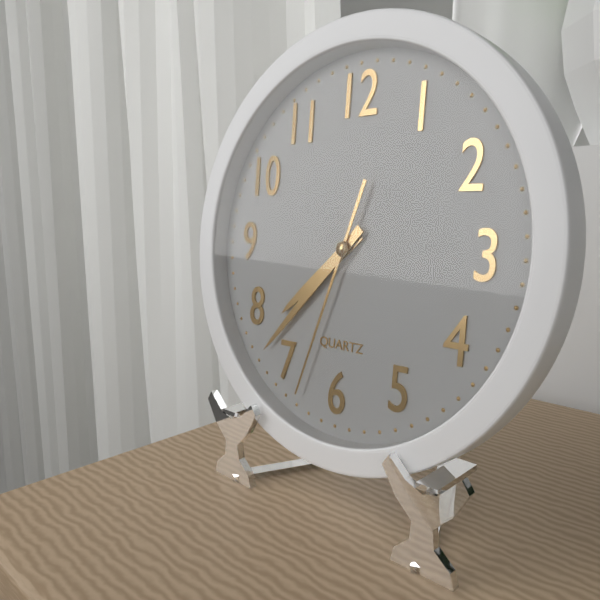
7:37:33
